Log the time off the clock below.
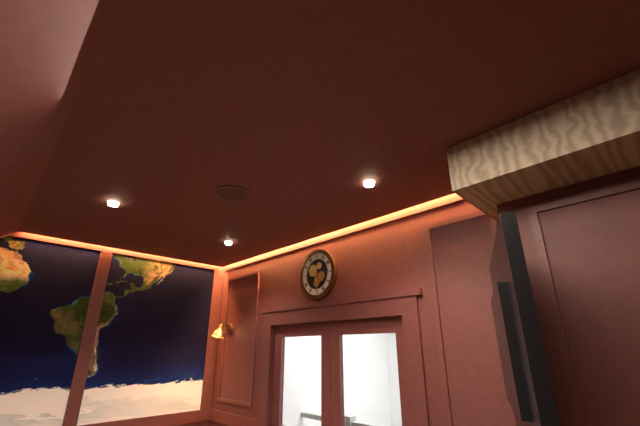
6:29
